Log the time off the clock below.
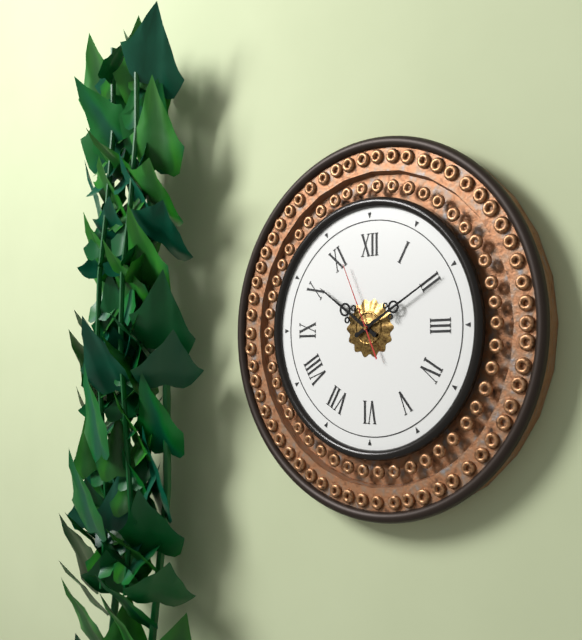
10:10:56
